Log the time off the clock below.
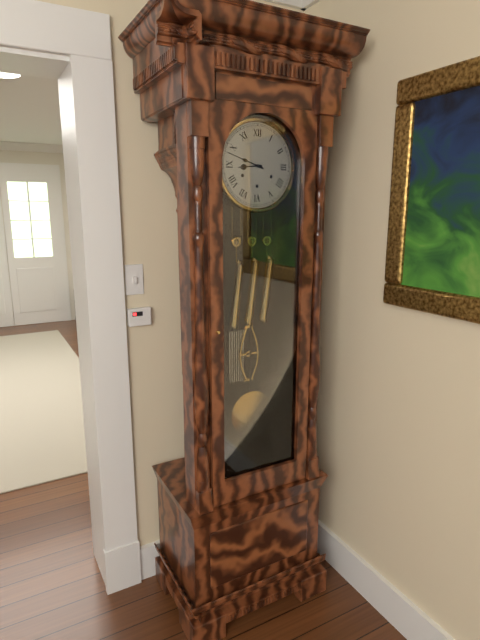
8:48
